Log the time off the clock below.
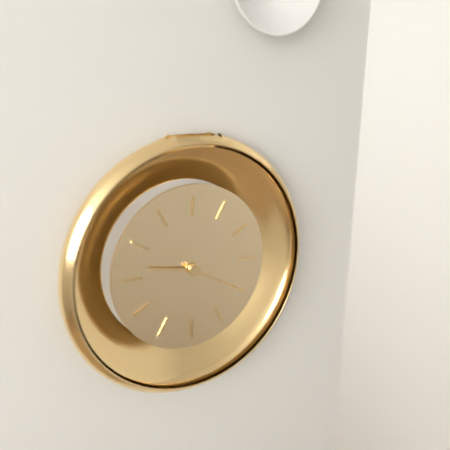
9:20
